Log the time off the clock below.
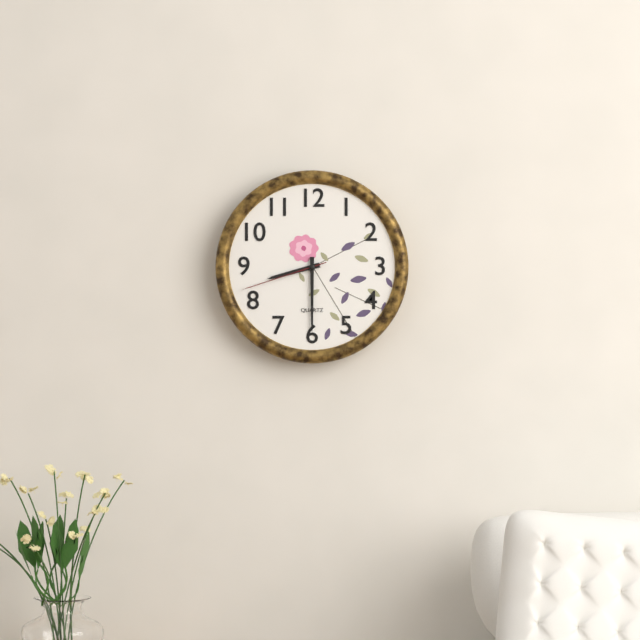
8:30:42
